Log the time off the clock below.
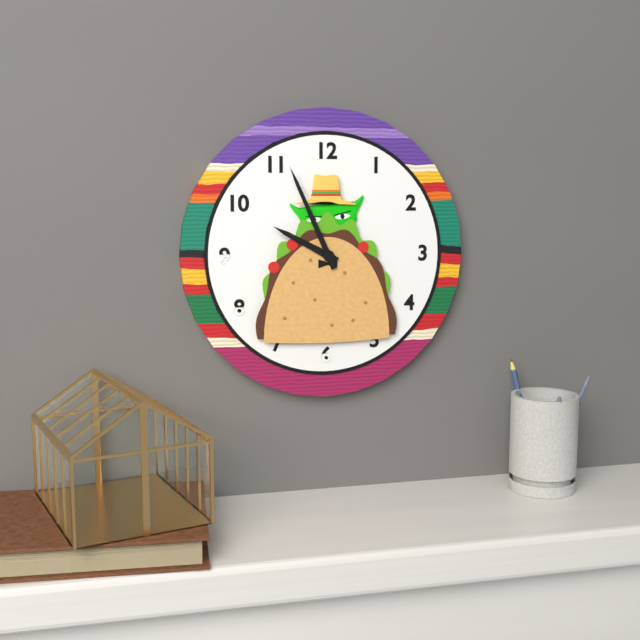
9:56
